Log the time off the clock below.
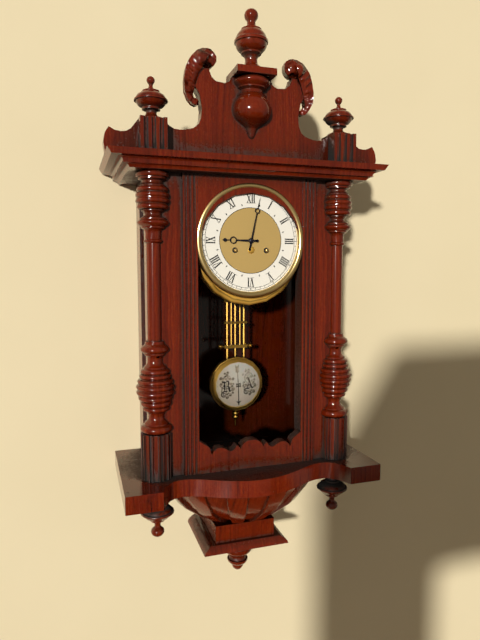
9:02
